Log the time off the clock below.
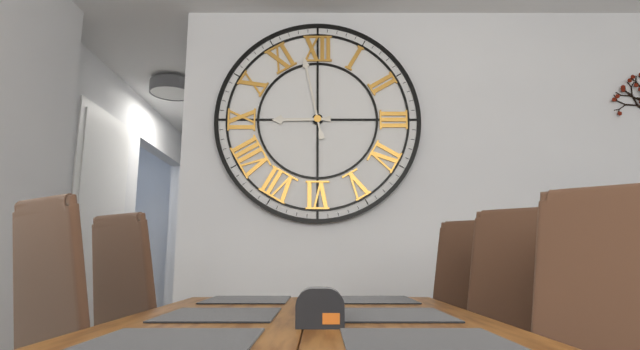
8:58
